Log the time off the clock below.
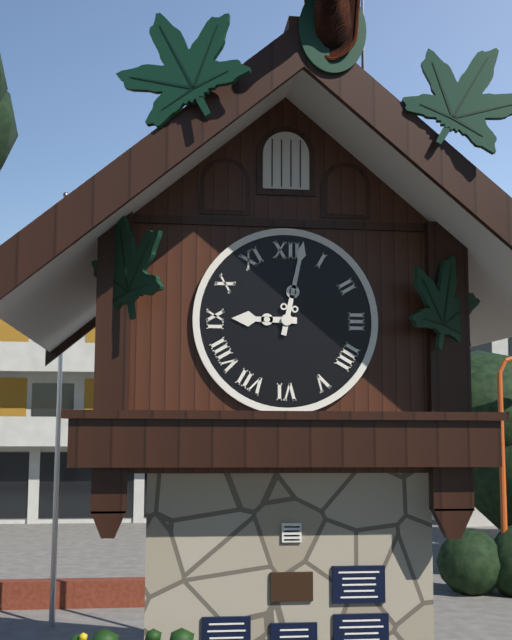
9:02
